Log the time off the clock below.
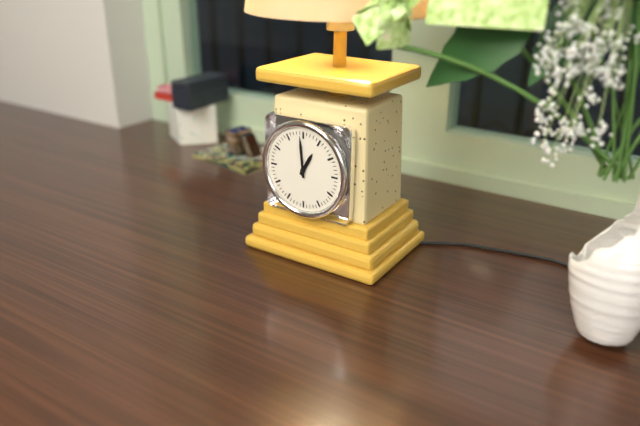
12:59
